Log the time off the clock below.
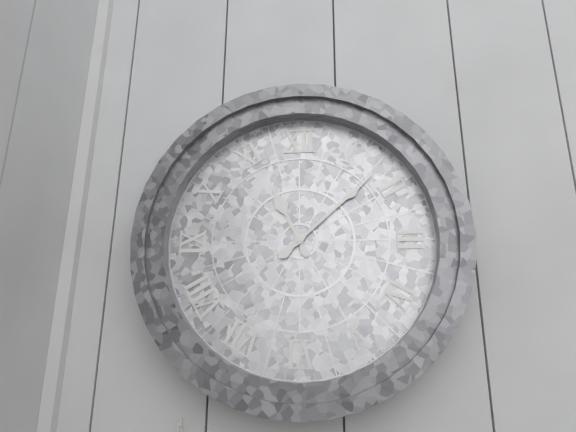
11:08
